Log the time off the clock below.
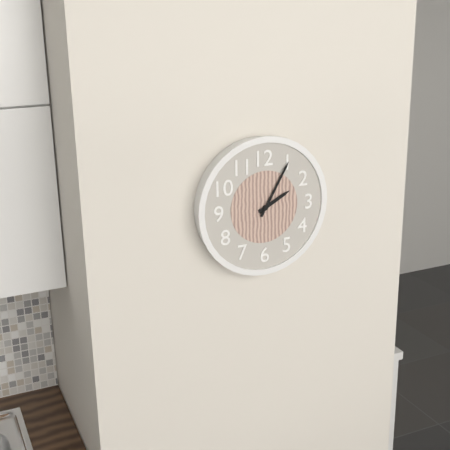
2:05
